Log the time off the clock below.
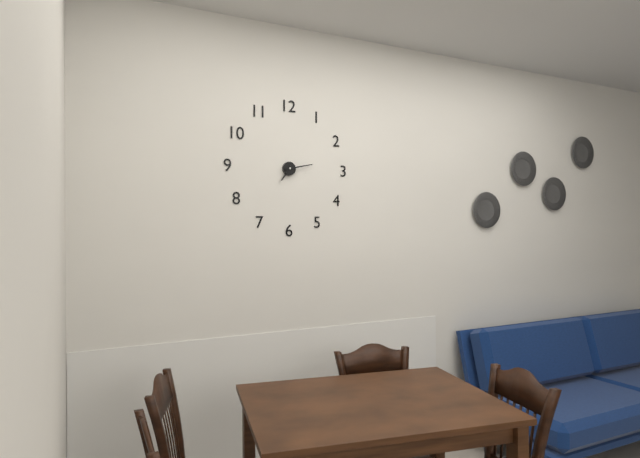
7:13
